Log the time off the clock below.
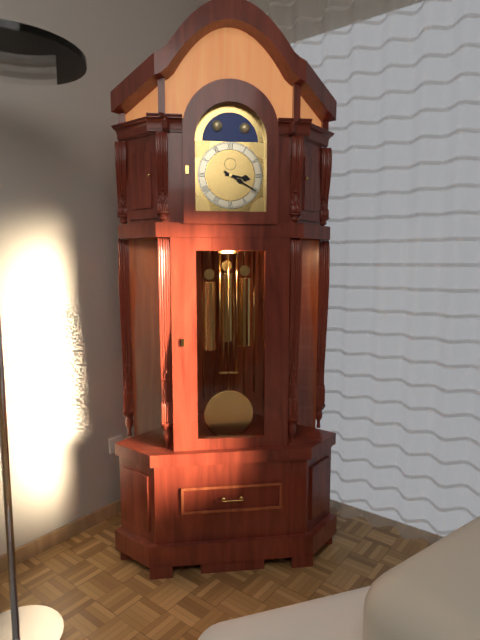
3:20
